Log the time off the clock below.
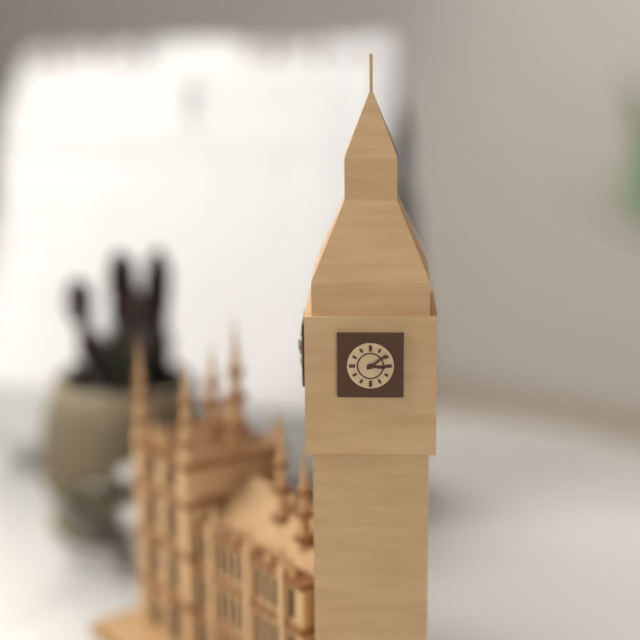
3:09
